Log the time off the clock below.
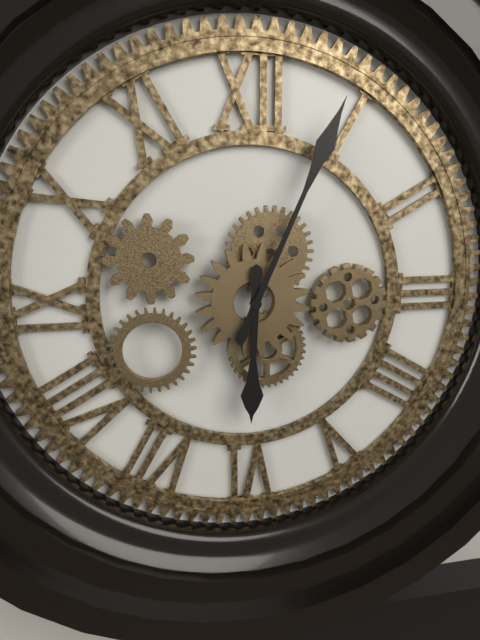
6:04
